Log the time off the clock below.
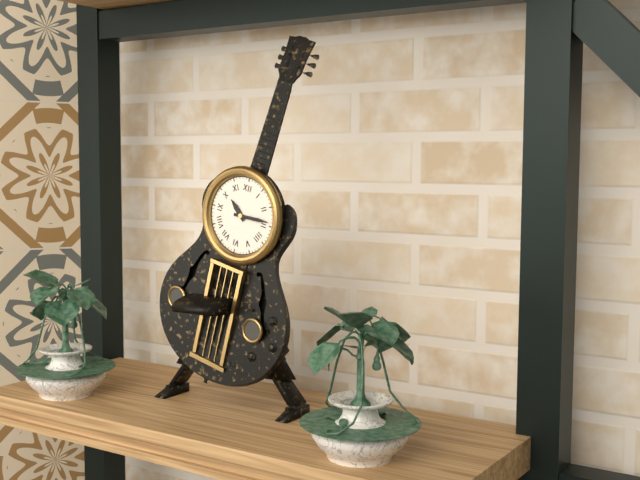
10:14
